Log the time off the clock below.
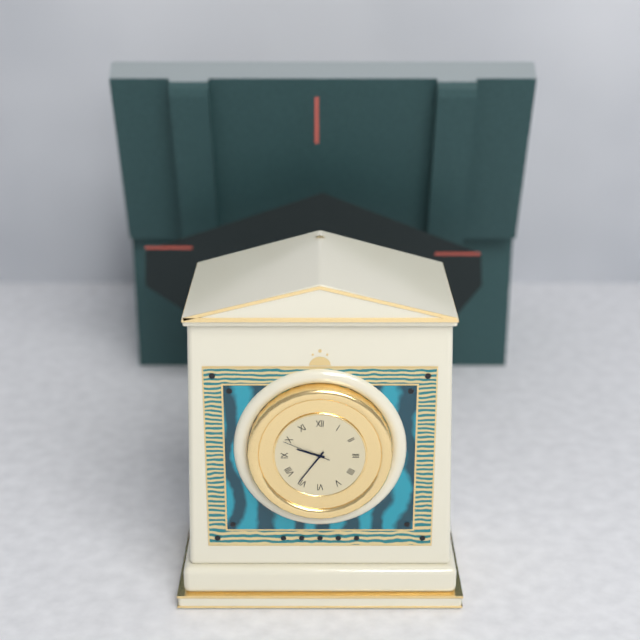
9:36:49
